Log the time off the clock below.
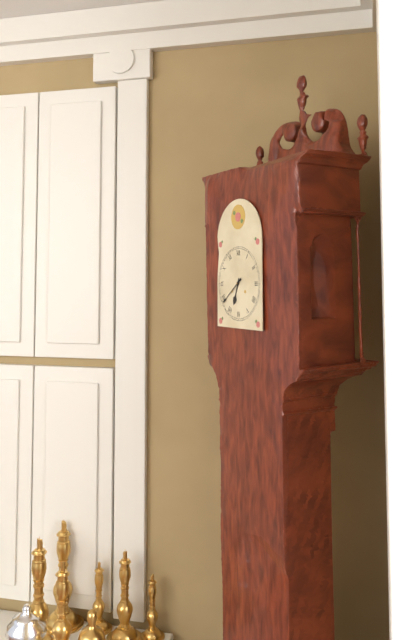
6:39
